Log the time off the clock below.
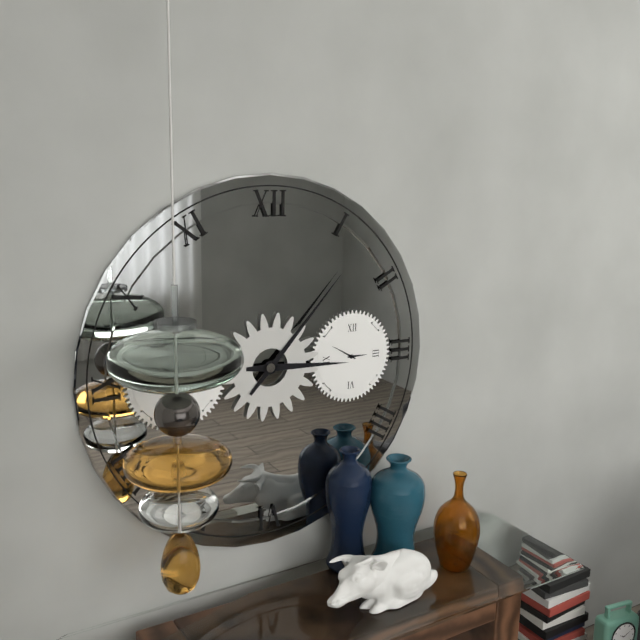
3:07
